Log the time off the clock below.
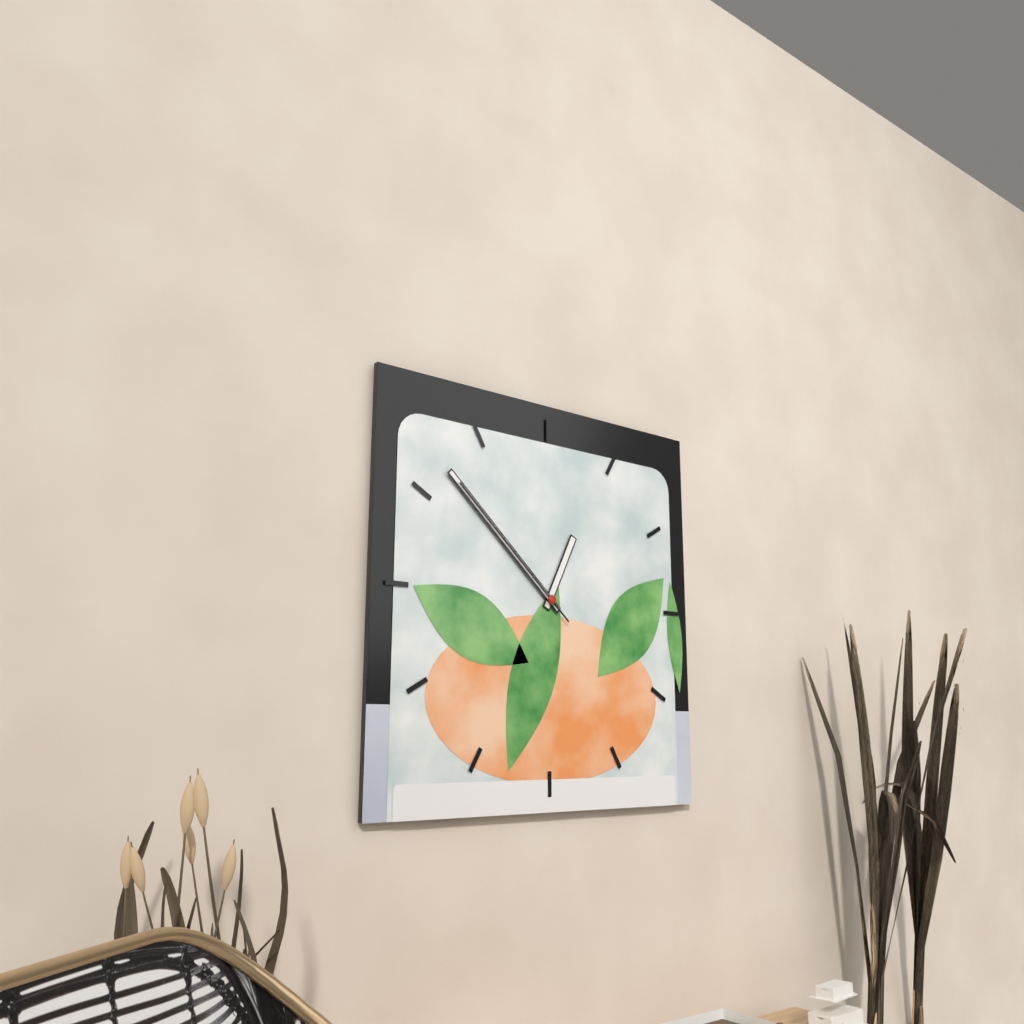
12:52:52
